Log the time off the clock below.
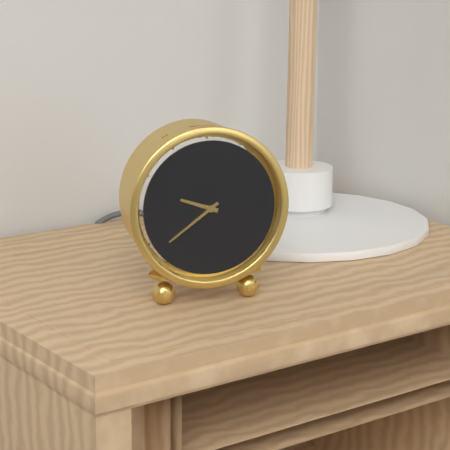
9:39
